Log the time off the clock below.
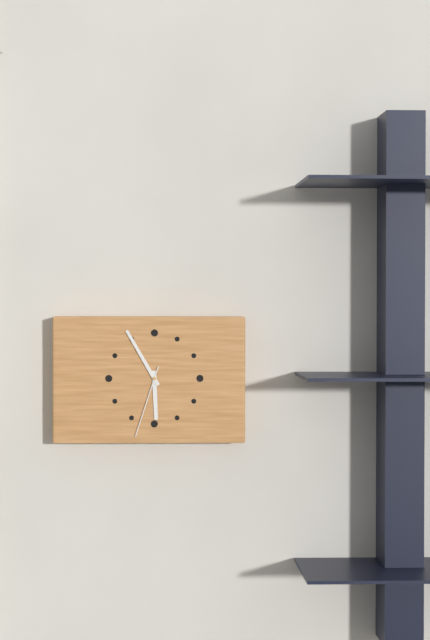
5:55:33
